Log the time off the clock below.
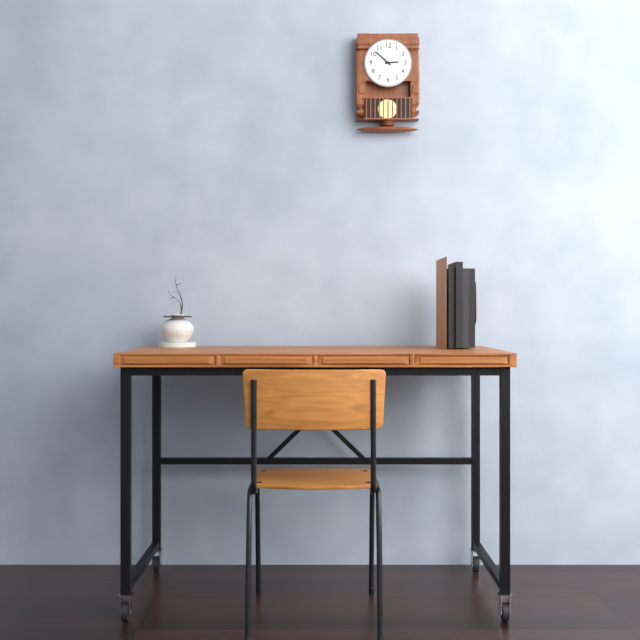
2:52
